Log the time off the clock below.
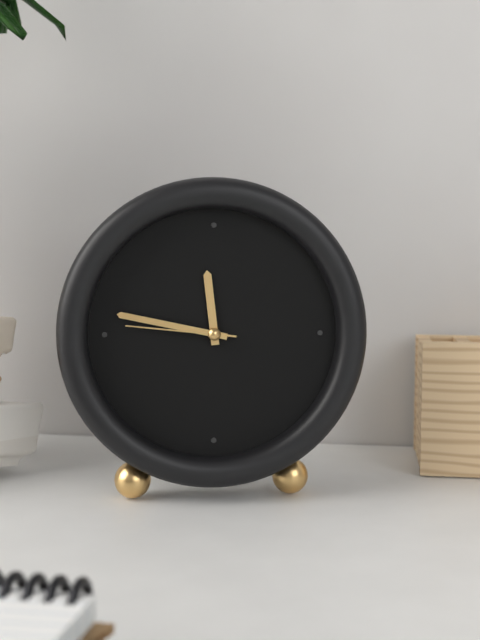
11:47:46
